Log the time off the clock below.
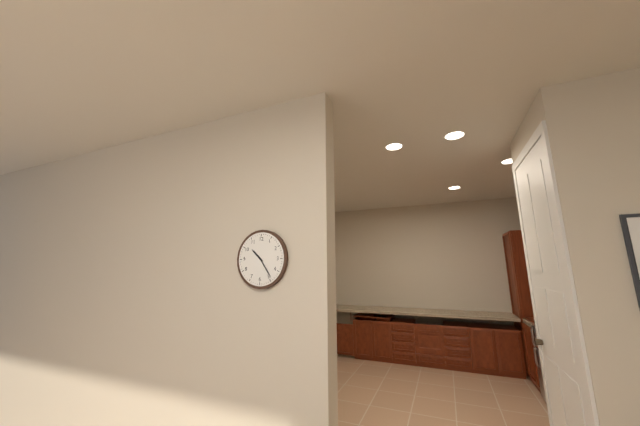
10:24
